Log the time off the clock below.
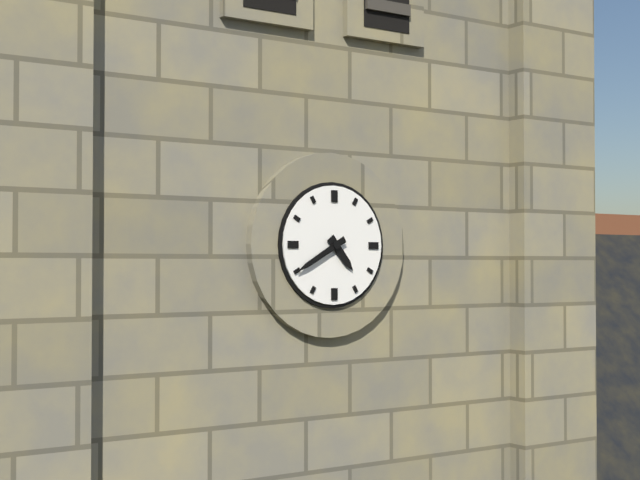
4:40
